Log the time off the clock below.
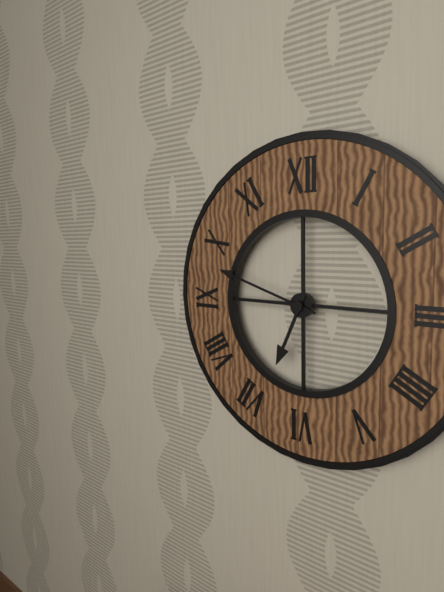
6:48
